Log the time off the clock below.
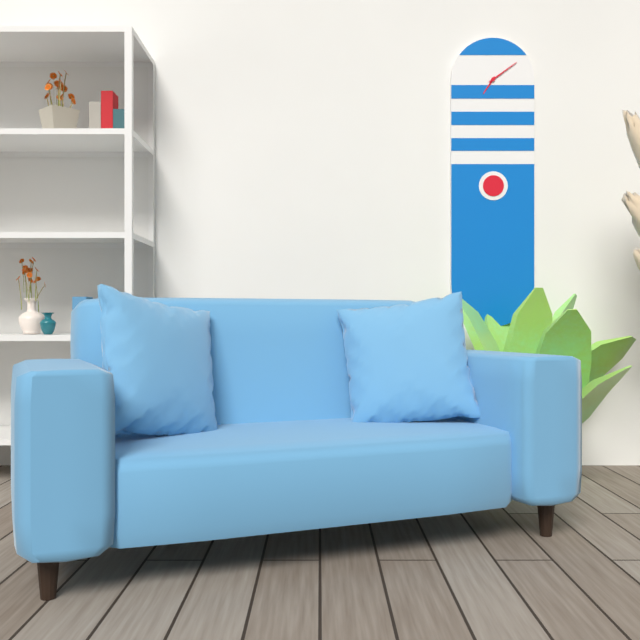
7:09
